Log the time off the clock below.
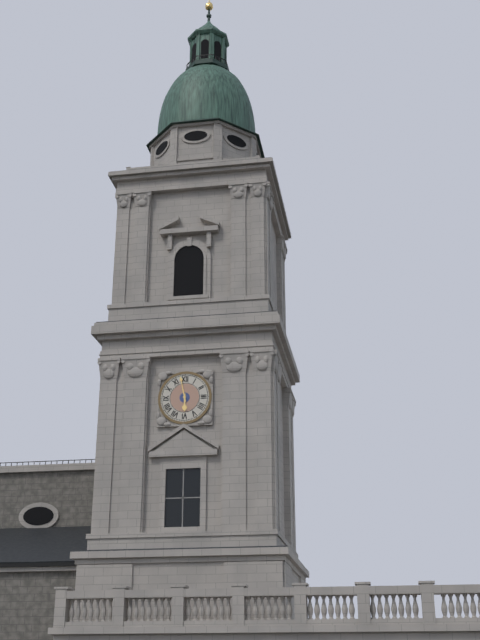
5:58
